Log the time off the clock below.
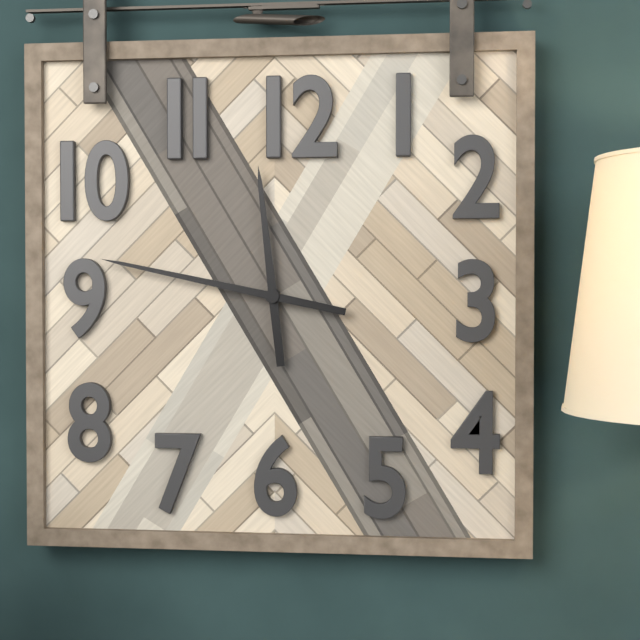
11:47
